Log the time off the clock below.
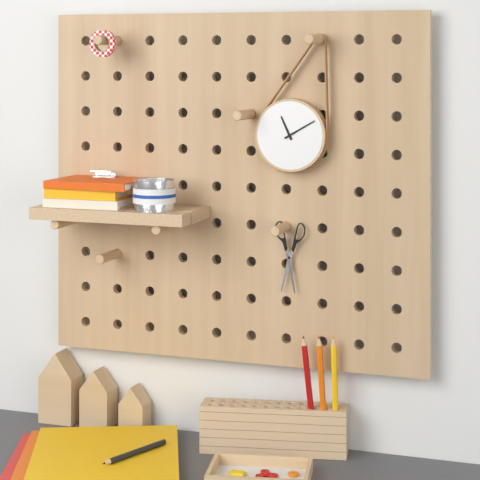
11:10
